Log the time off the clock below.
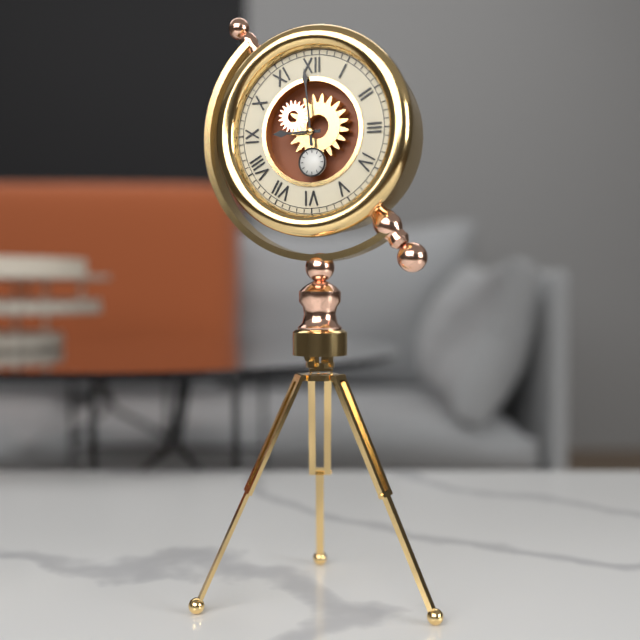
8:59
